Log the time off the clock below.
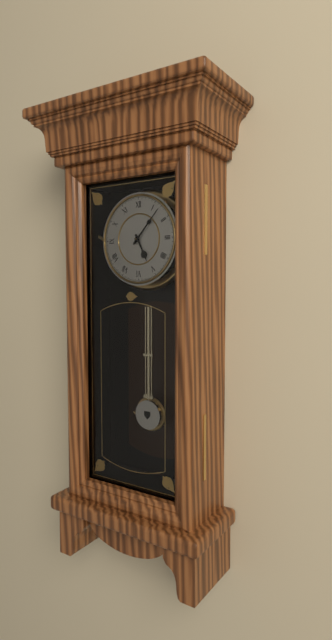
5:07
